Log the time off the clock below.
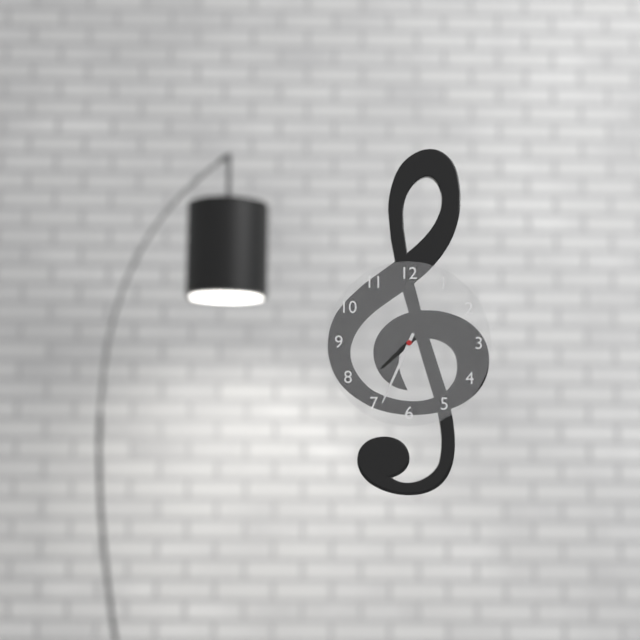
7:34
